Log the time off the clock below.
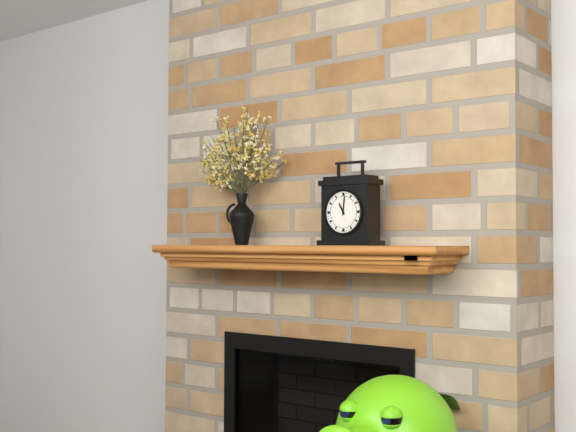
11:01
